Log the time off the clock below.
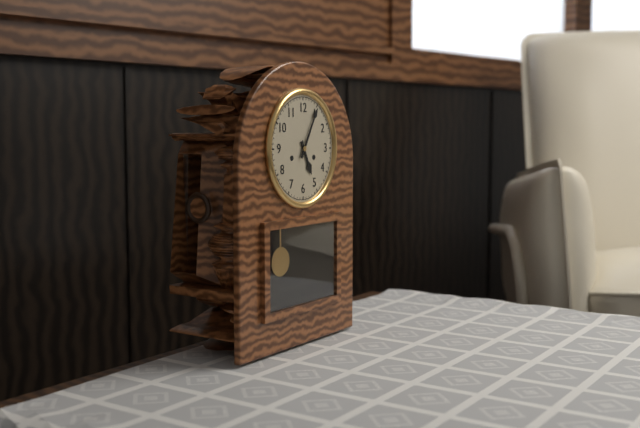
5:05
